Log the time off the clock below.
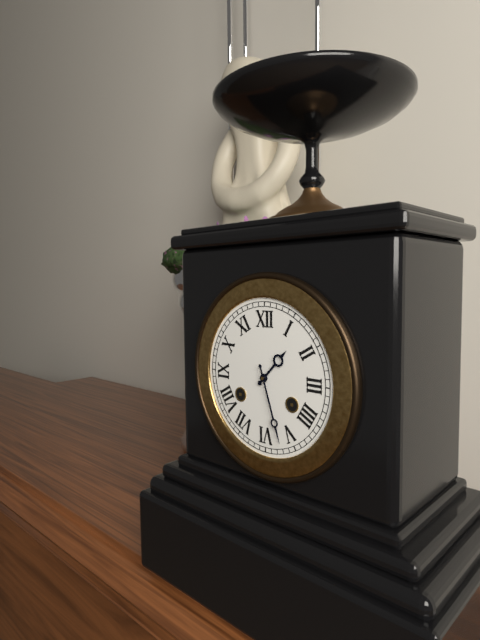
1:27
